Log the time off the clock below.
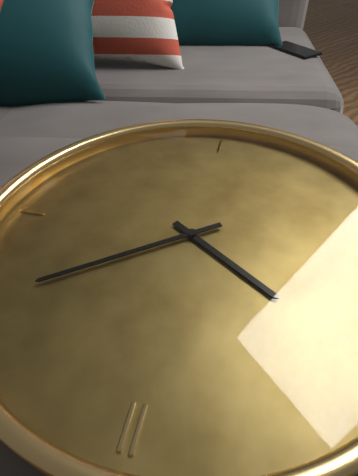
10:09
